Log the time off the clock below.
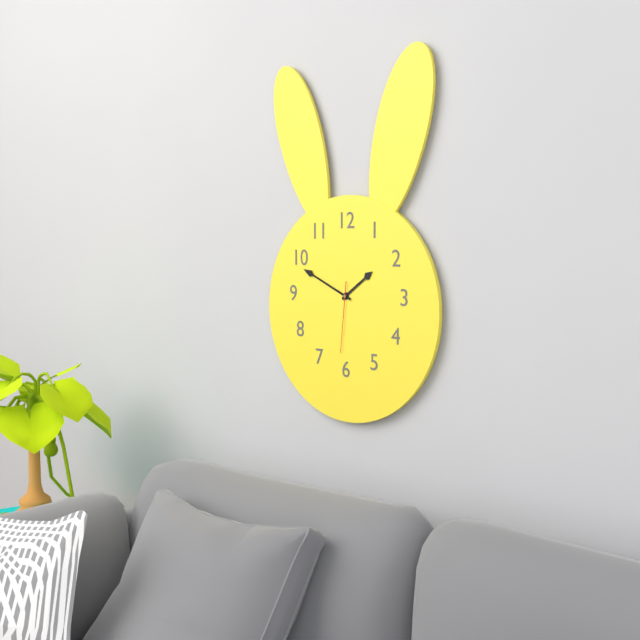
1:49:31
